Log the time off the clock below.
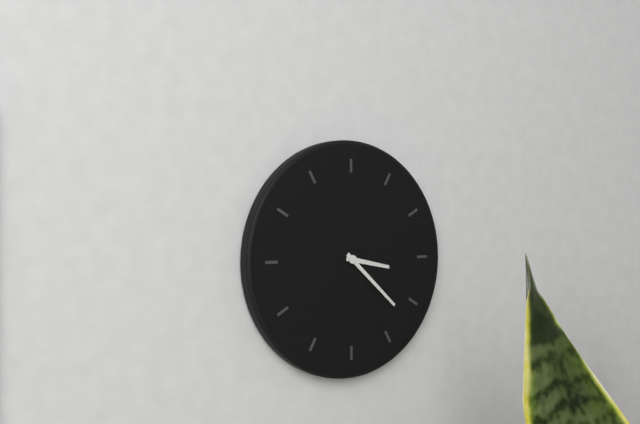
3:22
